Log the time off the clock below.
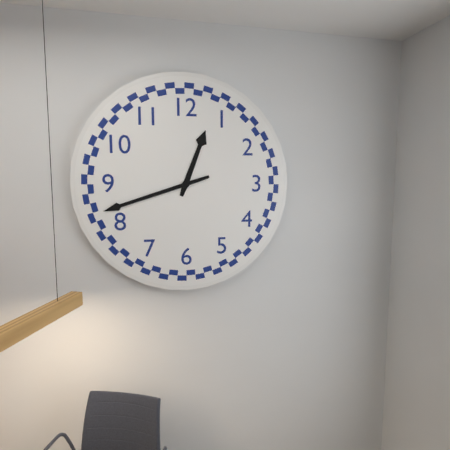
12:42
